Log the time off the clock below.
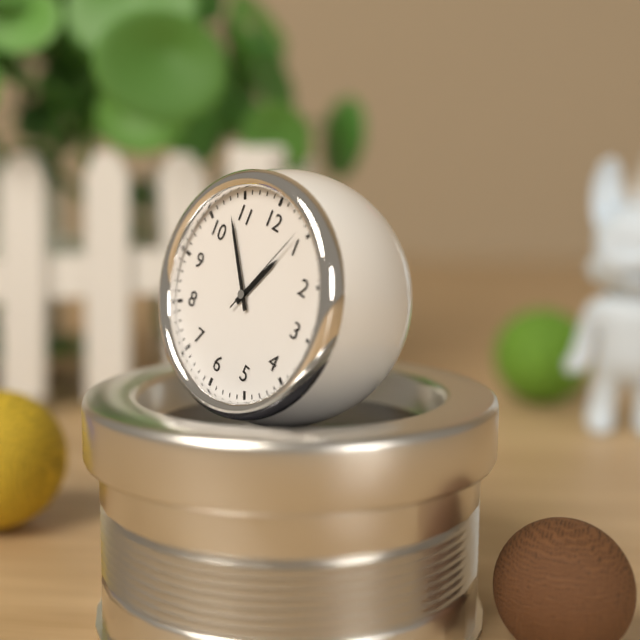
12:53:04
